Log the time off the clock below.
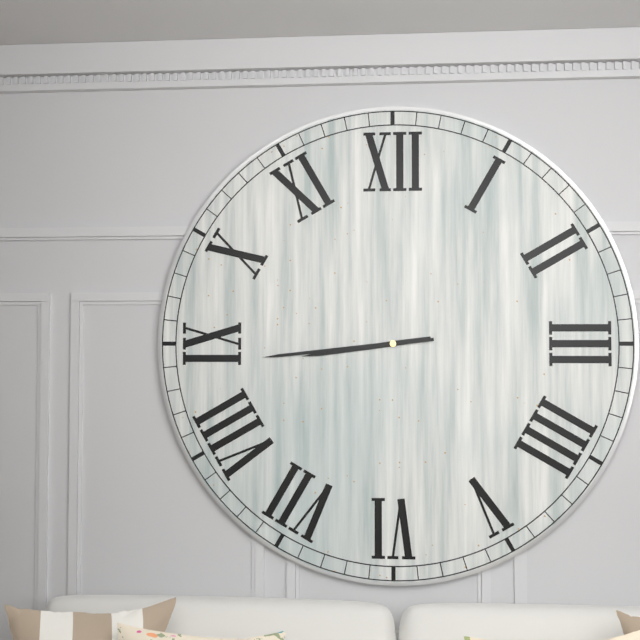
8:44
